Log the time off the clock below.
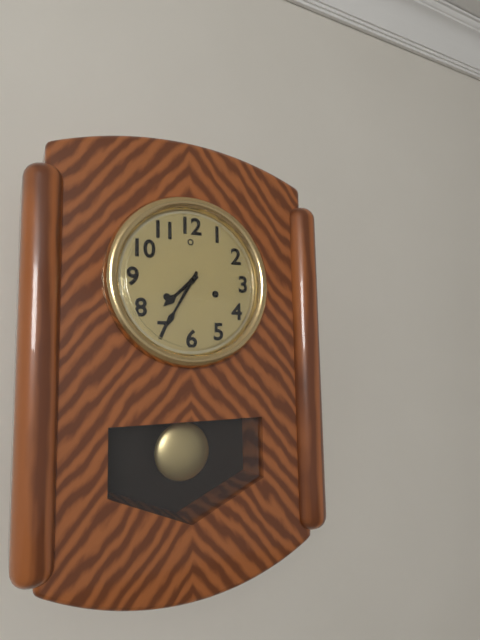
7:35
